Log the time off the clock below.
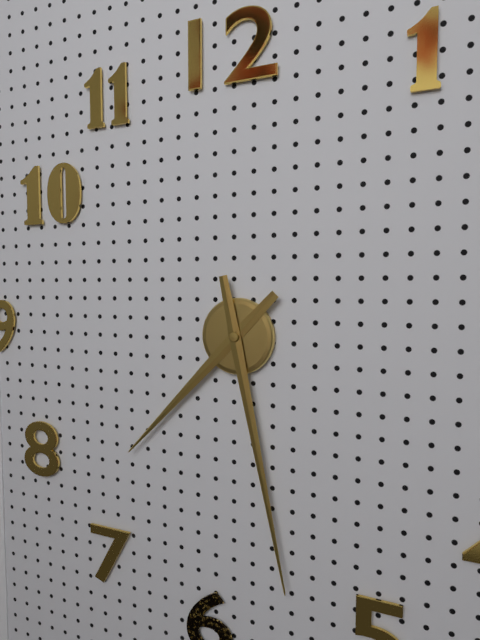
7:28
